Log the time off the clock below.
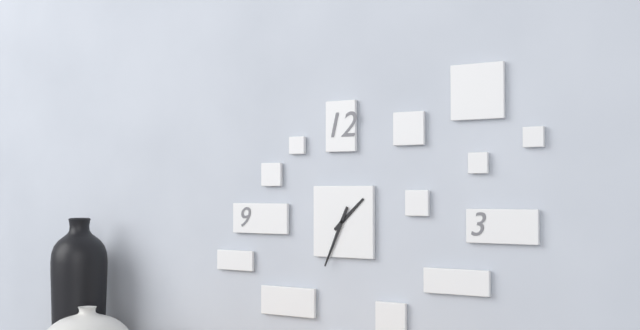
1:34
